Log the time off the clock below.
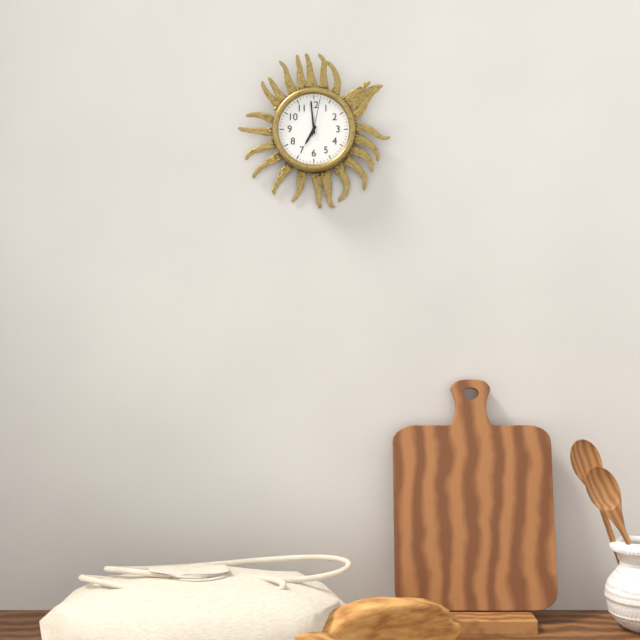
6:59
